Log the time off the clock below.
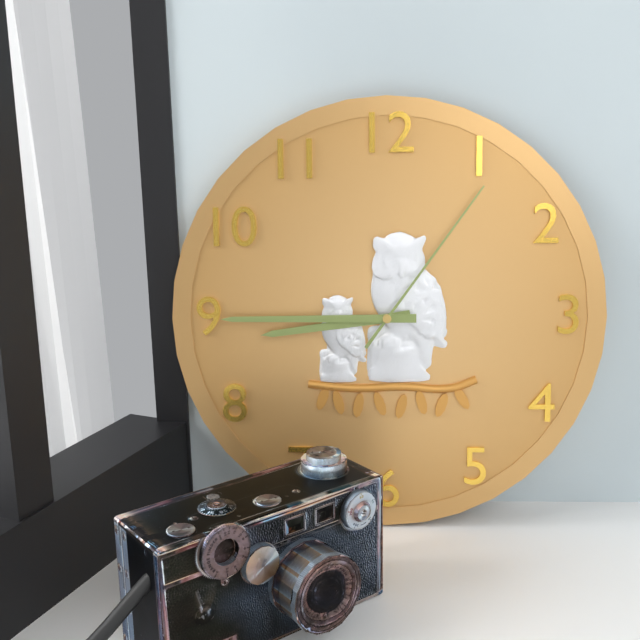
8:45:06
